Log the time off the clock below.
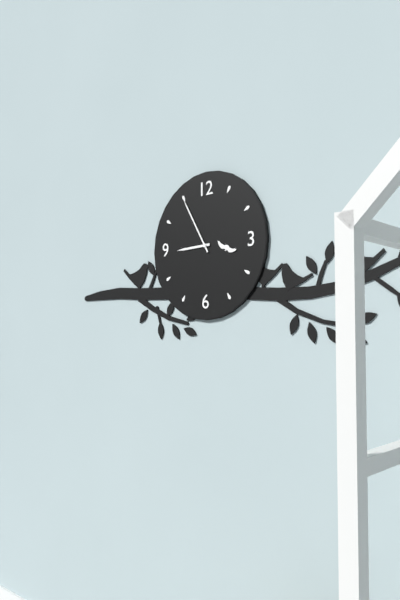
8:55
